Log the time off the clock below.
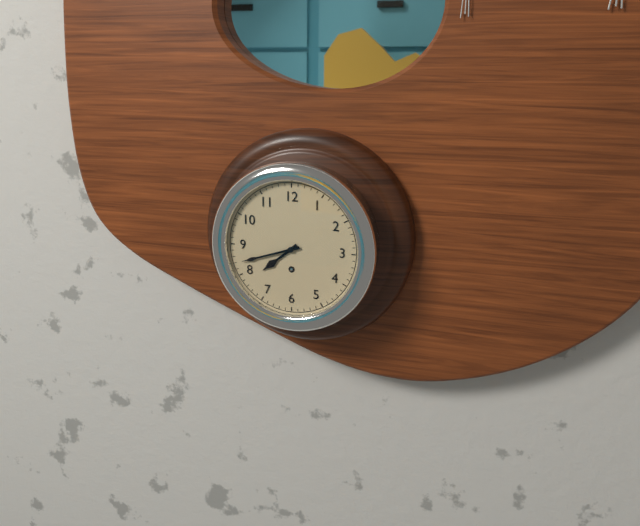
7:42
